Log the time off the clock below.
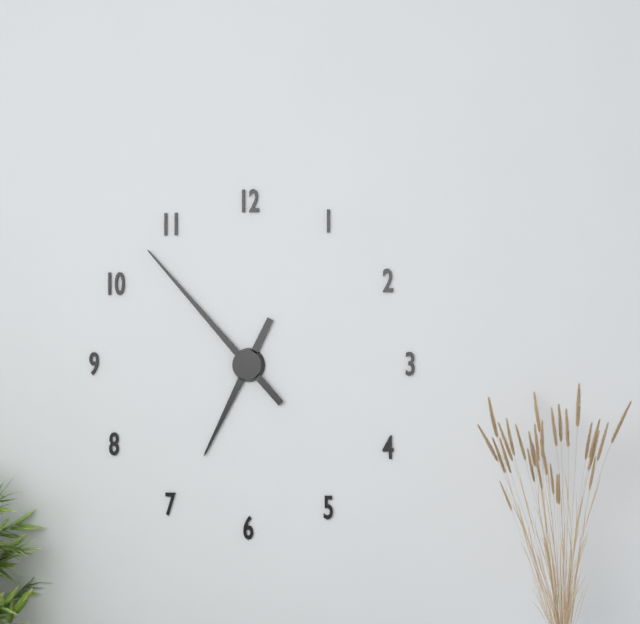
6:53
